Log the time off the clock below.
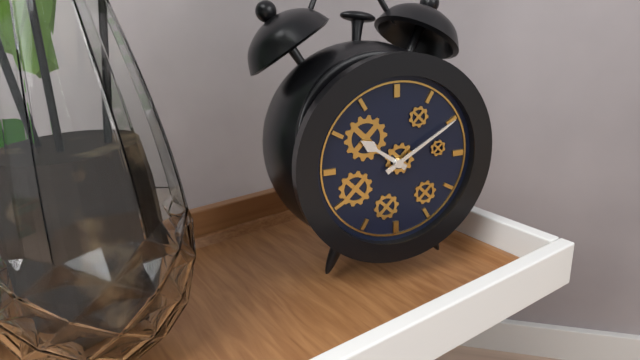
10:10
